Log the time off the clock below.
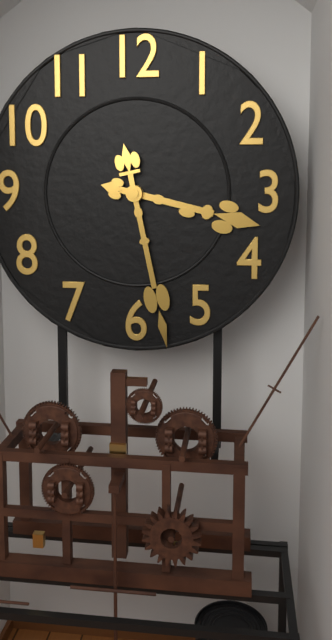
3:28
